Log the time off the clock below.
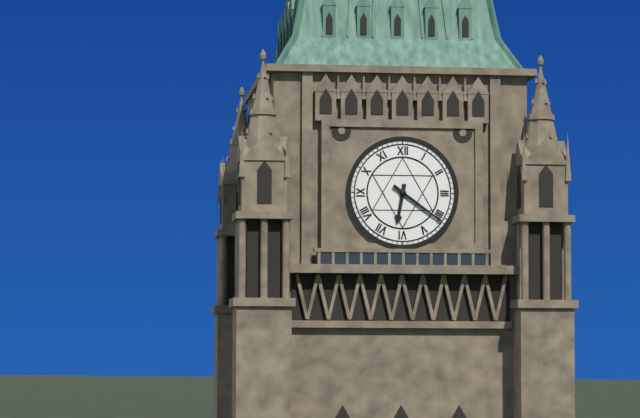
6:21
